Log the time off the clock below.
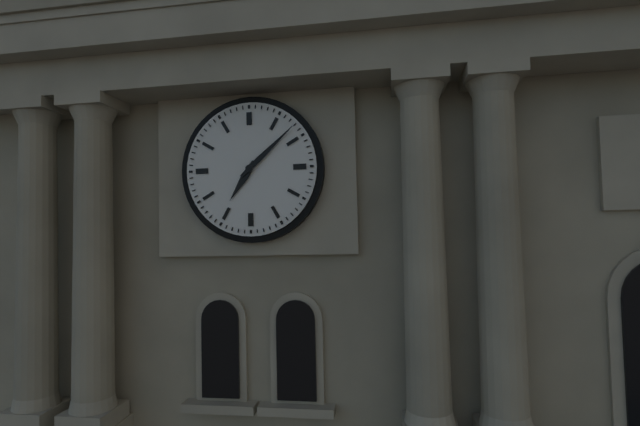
7:08
